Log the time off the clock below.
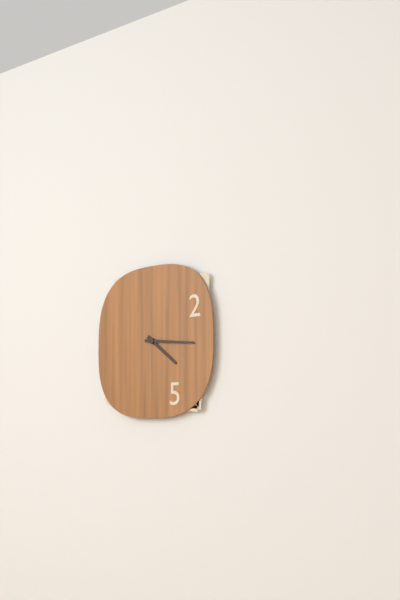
4:16
